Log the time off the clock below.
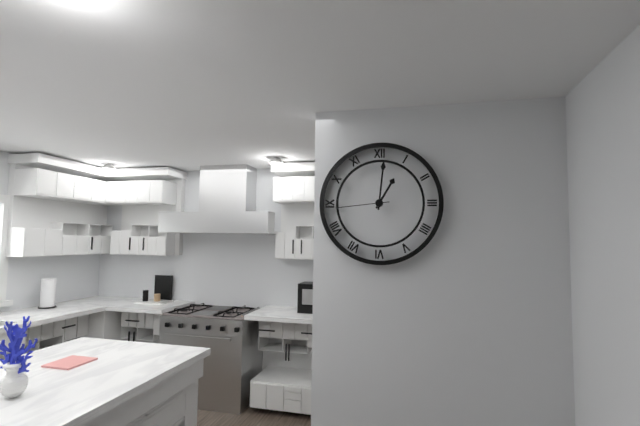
1:01:44
